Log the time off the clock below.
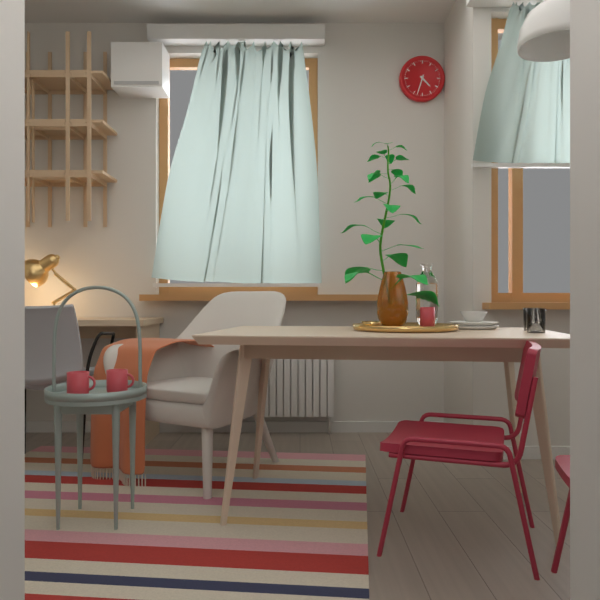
4:33
